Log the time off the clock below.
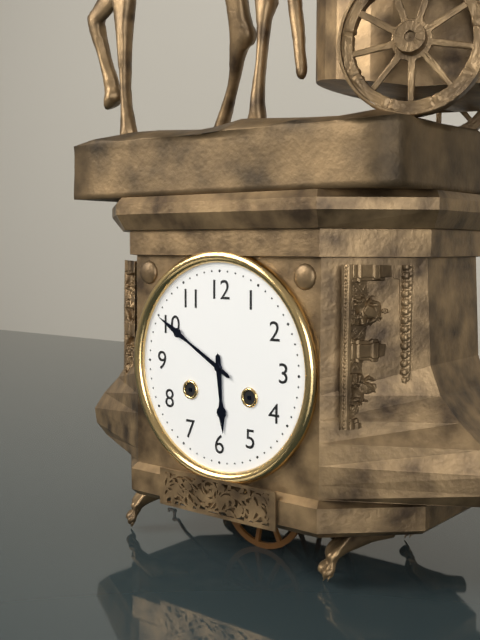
5:50
